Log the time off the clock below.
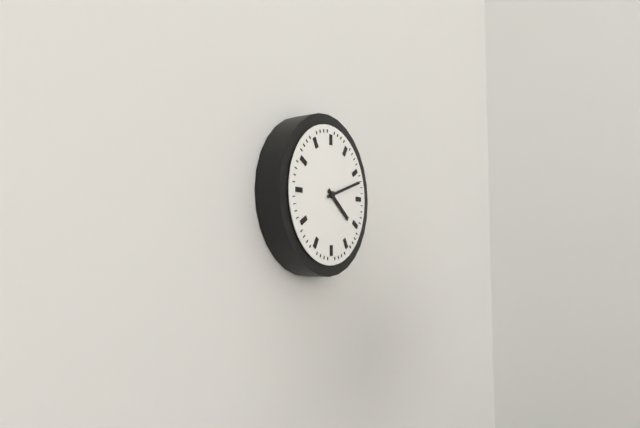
4:12
